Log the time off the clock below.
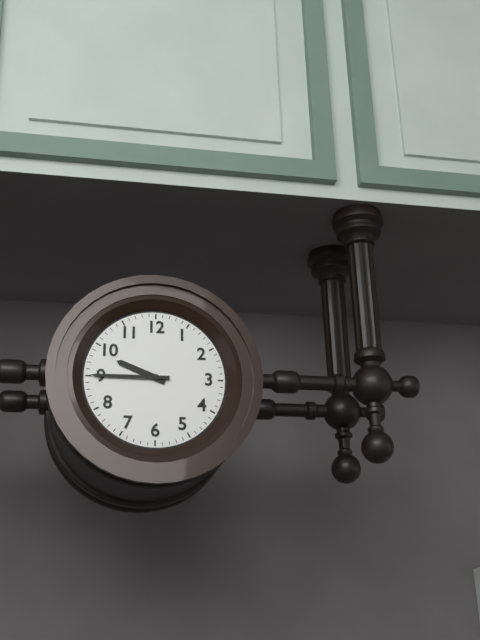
9:45
